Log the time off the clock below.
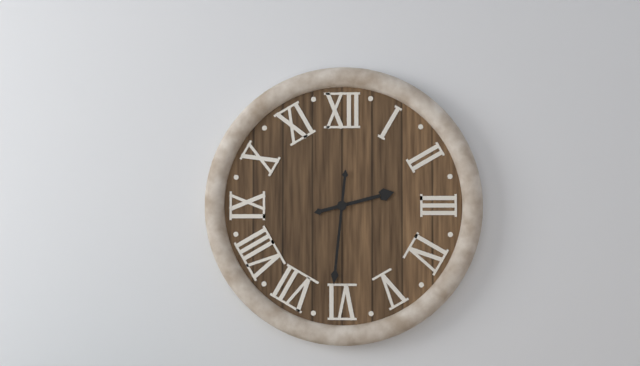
2:31
